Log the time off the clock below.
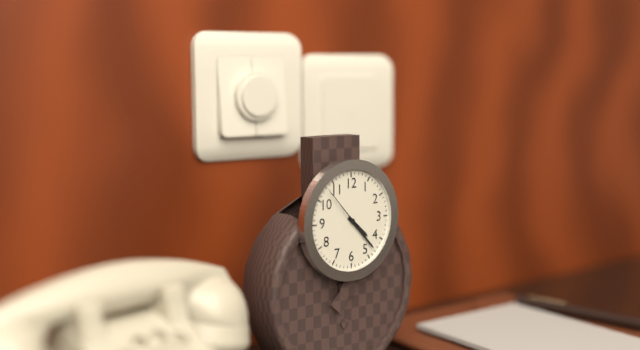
4:23
